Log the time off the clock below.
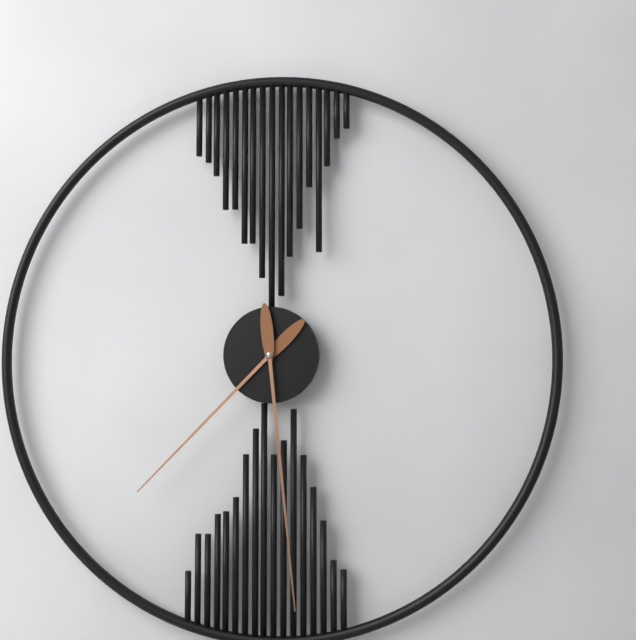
7:29
